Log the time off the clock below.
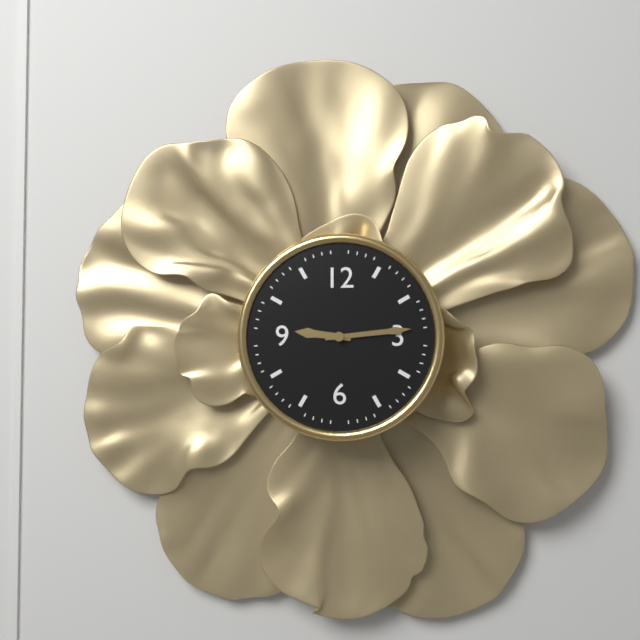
9:14
